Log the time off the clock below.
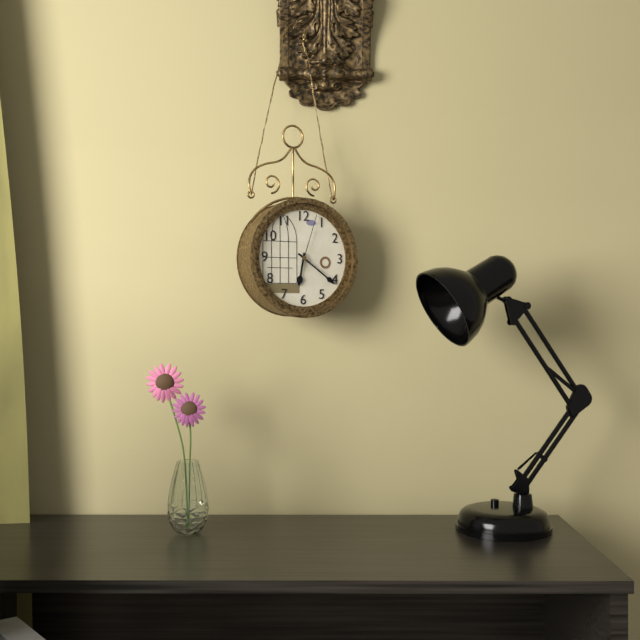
6:21:03
